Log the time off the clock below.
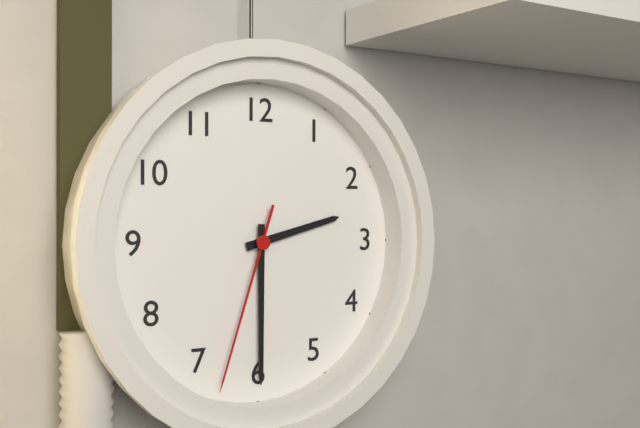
2:30:33
